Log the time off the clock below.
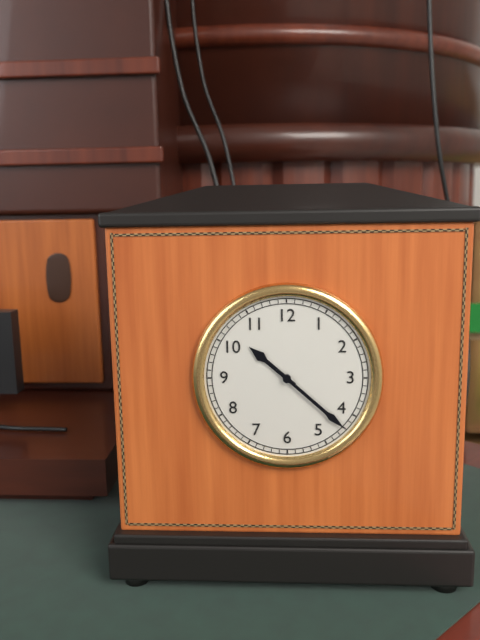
10:22
